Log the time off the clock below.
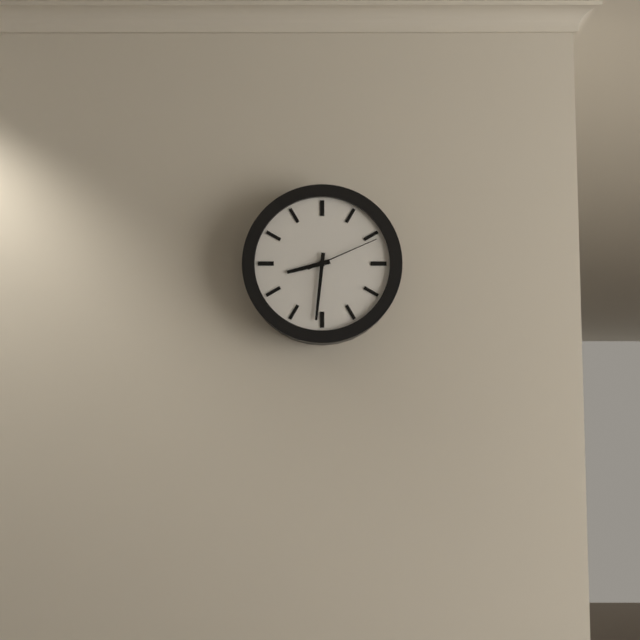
8:31:11
